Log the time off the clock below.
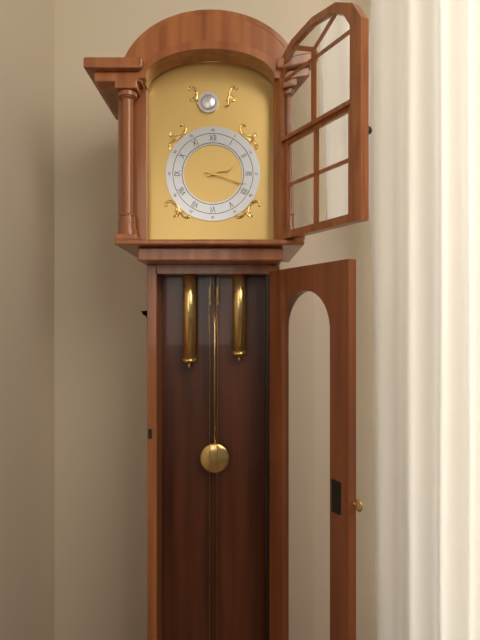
2:18
